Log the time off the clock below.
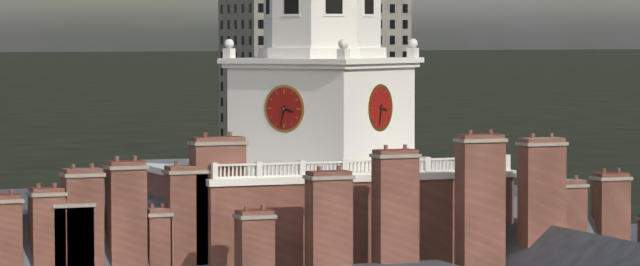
3:32
